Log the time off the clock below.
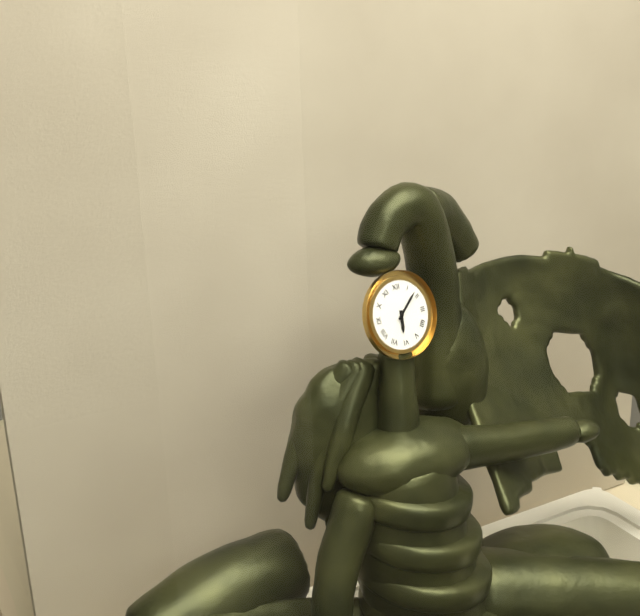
6:08
